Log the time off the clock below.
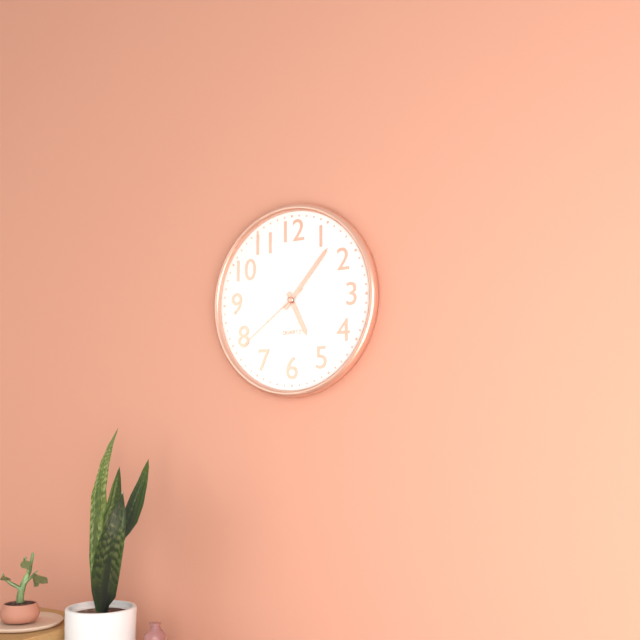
5:07:39
